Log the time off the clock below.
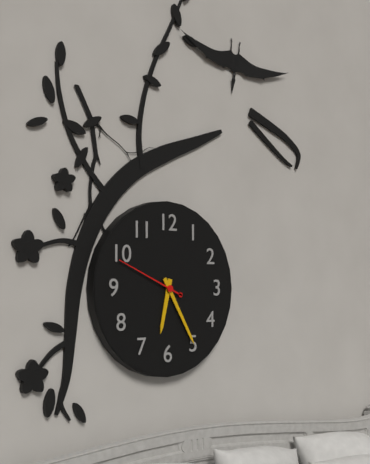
6:25:49
